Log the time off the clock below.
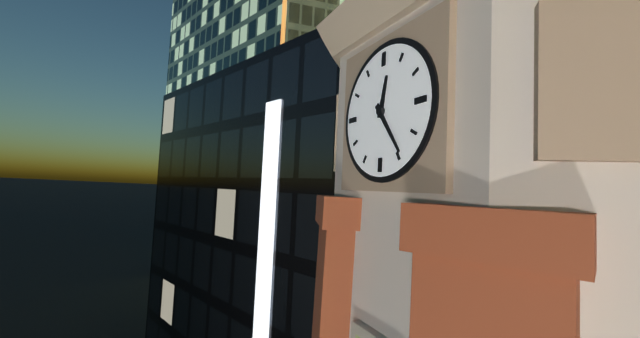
12:24
